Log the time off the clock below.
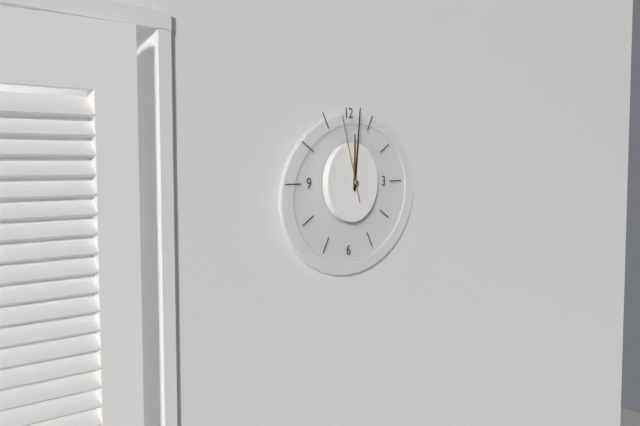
12:01:57
